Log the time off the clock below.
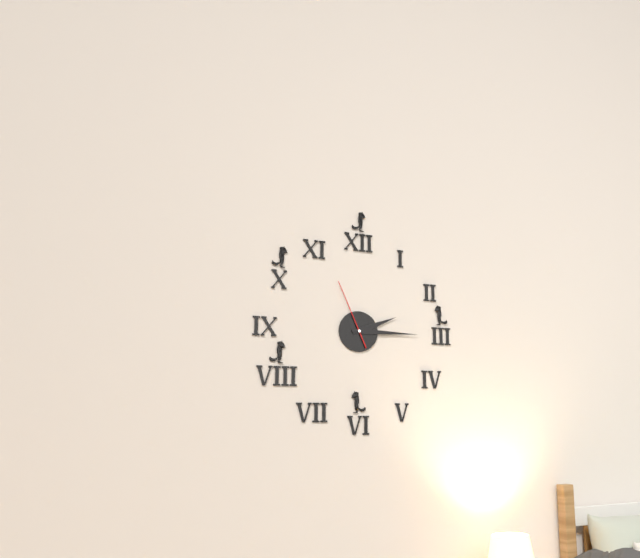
2:15:56
